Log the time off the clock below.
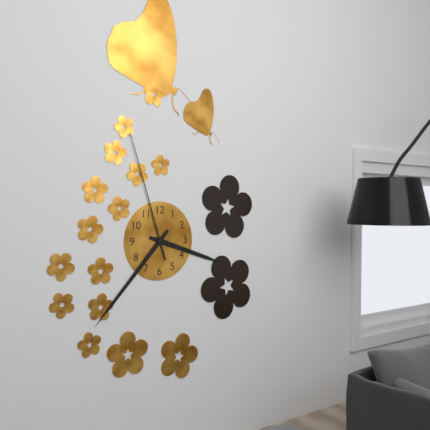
3:37:57
